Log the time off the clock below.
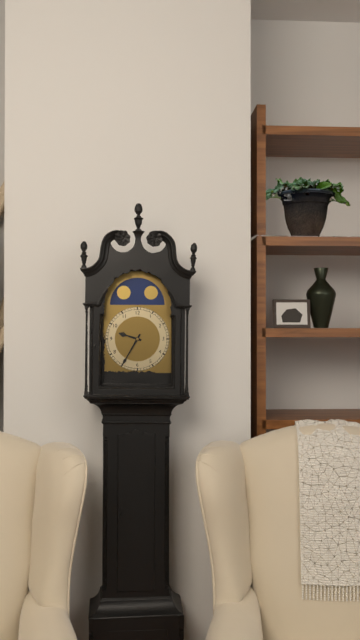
9:35
